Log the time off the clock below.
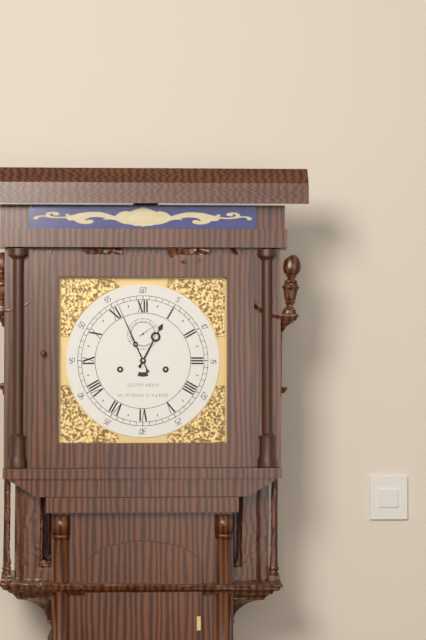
12:56
